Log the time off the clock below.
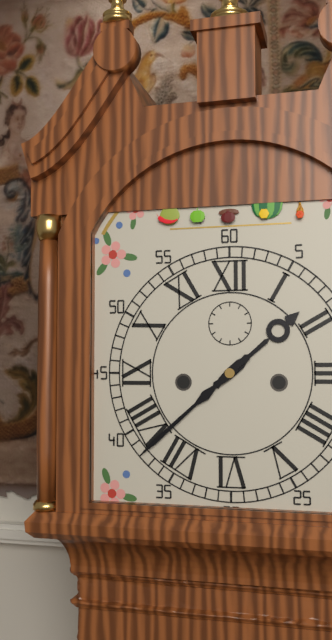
1:38
